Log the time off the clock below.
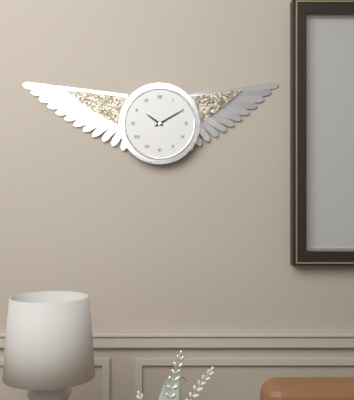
10:10
